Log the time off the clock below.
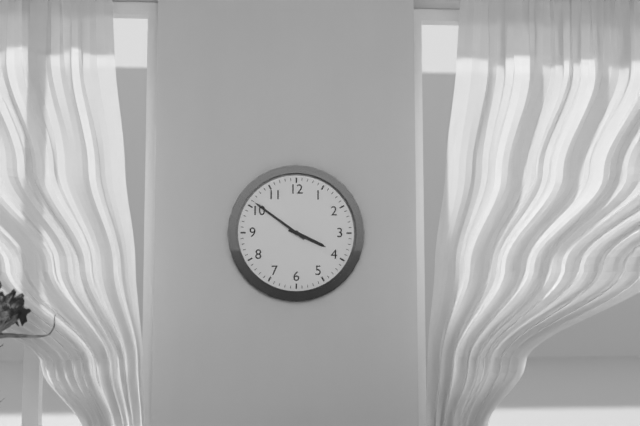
3:51
